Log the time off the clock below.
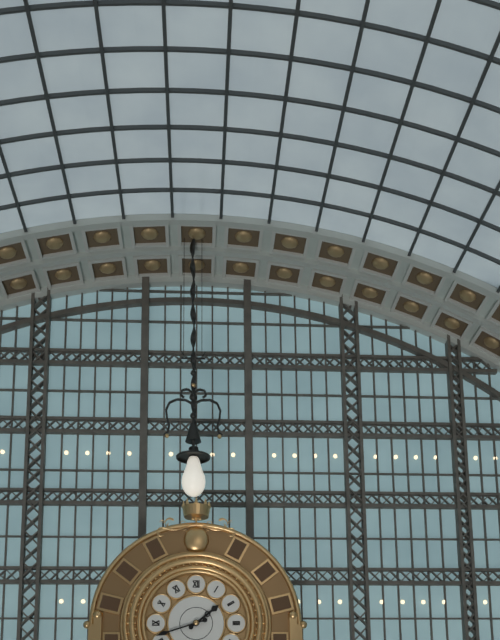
1:42
